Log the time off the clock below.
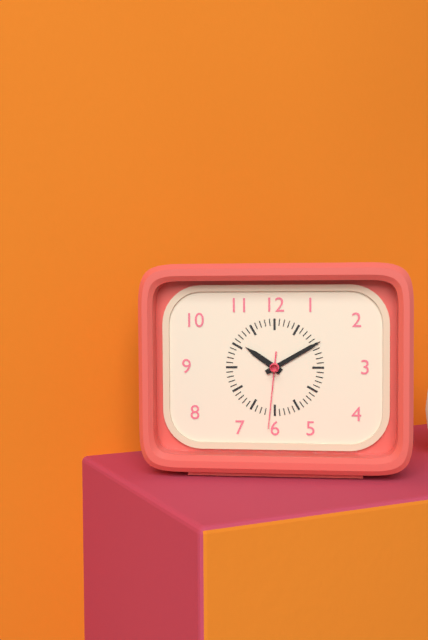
10:10:31
